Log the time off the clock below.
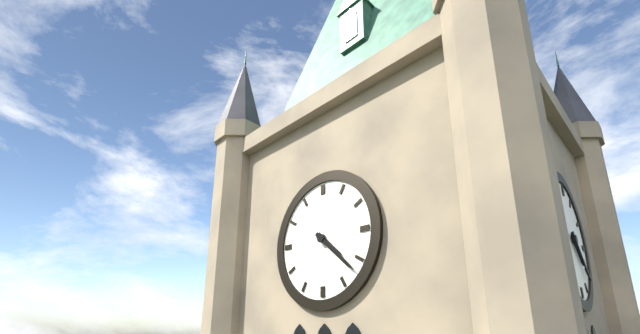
4:22
